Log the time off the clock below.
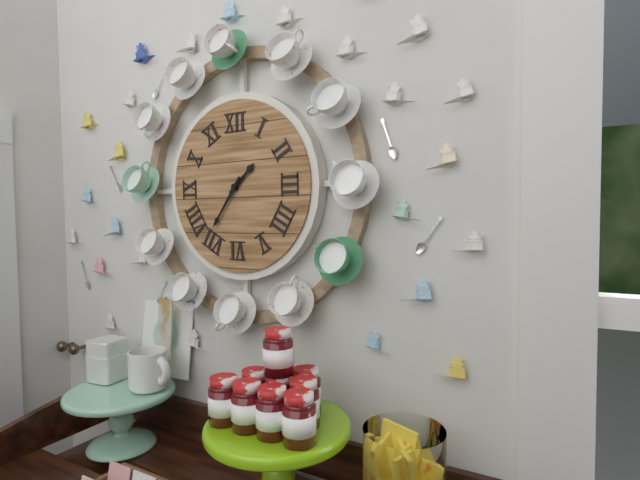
1:36
